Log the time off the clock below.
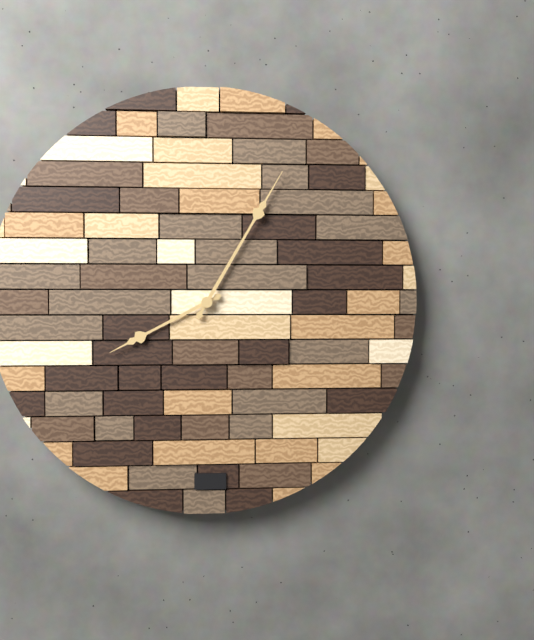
8:05
